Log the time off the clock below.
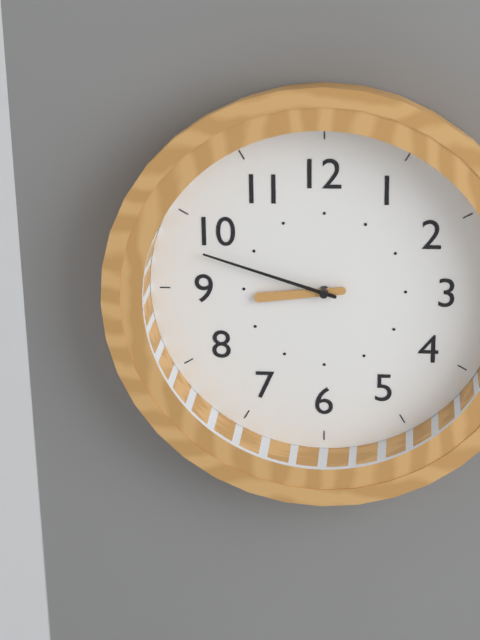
8:48
